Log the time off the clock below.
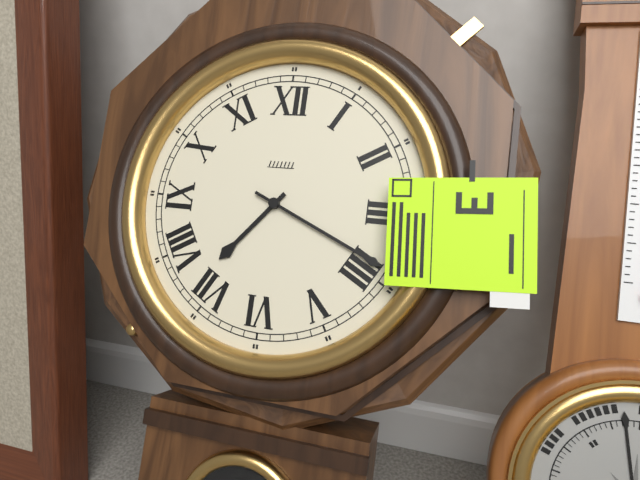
7:19
